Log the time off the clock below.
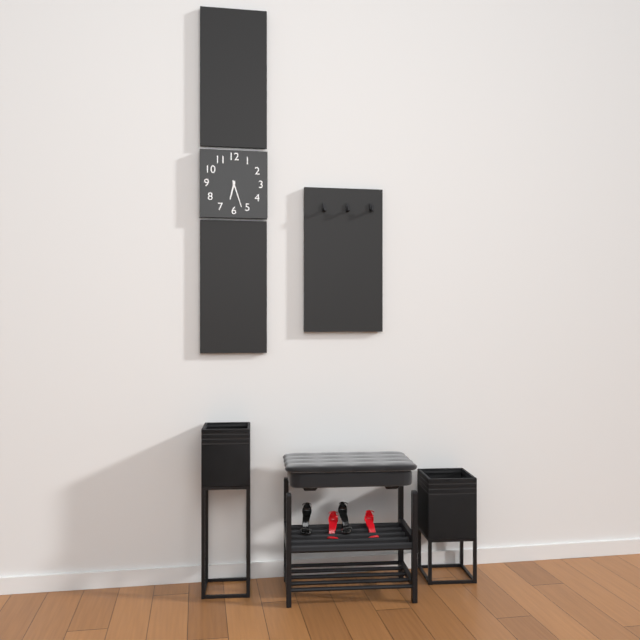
6:27
